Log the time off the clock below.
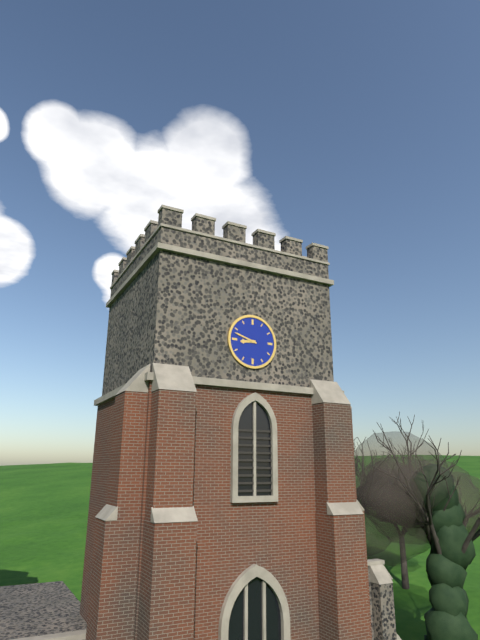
8:48
